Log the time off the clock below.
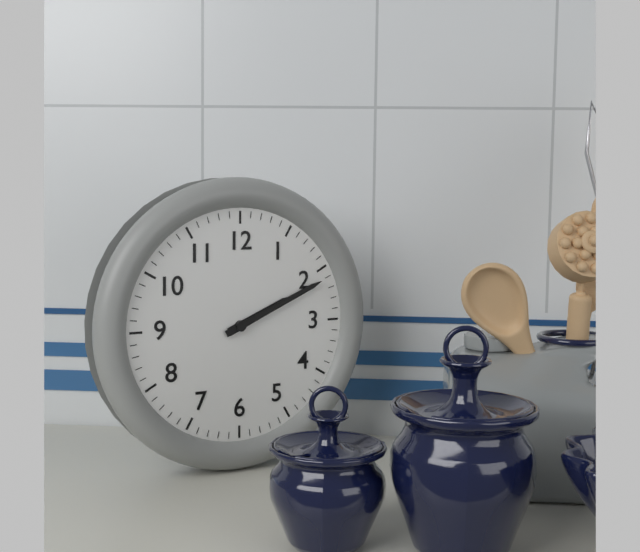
2:11
